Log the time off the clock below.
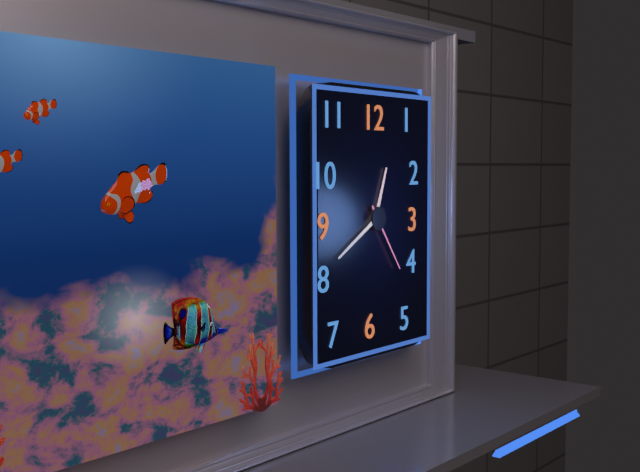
12:40:24
